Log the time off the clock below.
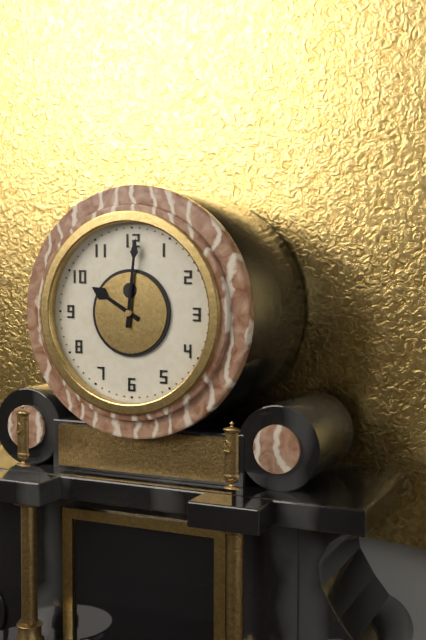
10:01
